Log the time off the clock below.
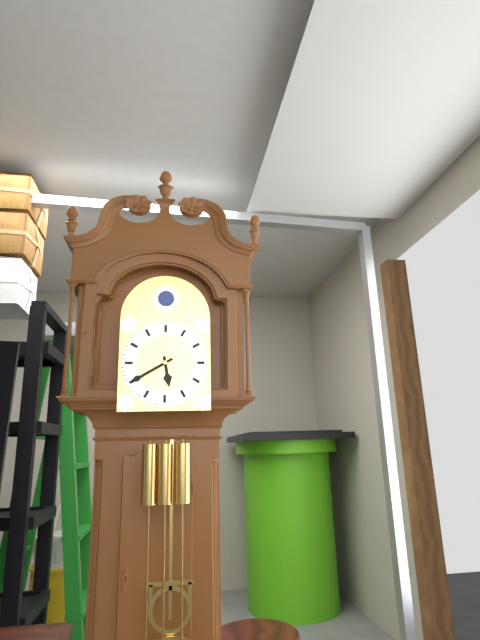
5:40
